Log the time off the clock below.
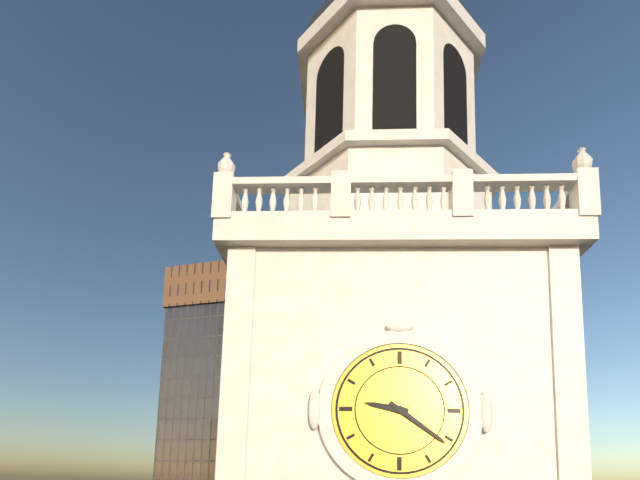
9:21
